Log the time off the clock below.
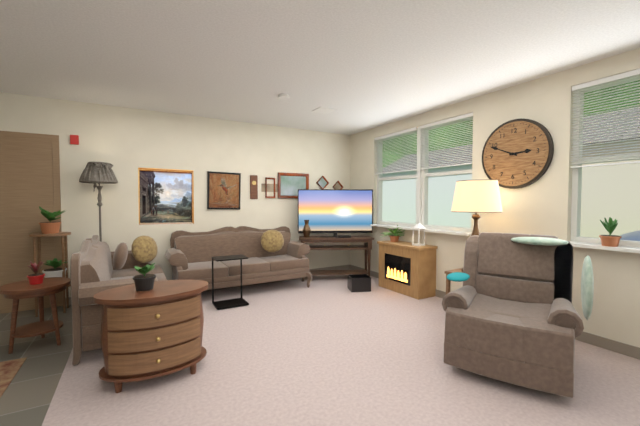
2:49
